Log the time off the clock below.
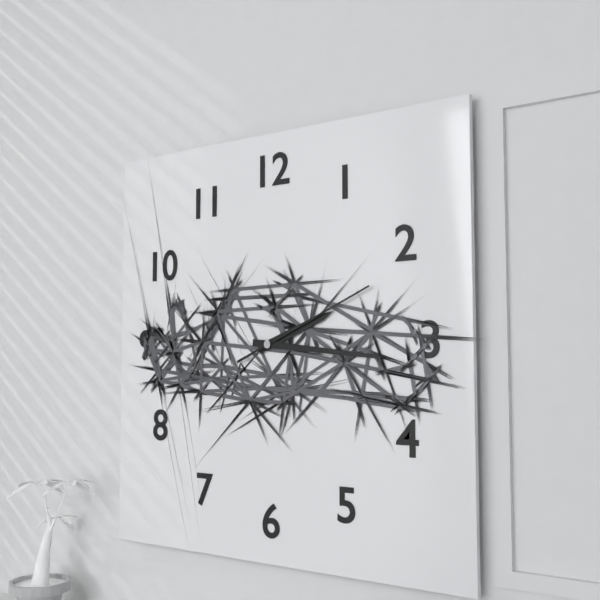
2:16:11
